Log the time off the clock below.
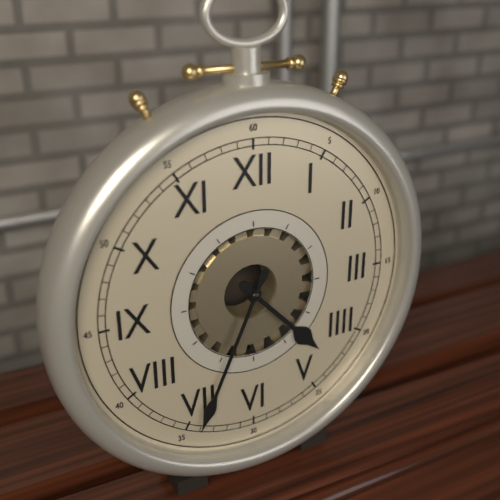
4:34
